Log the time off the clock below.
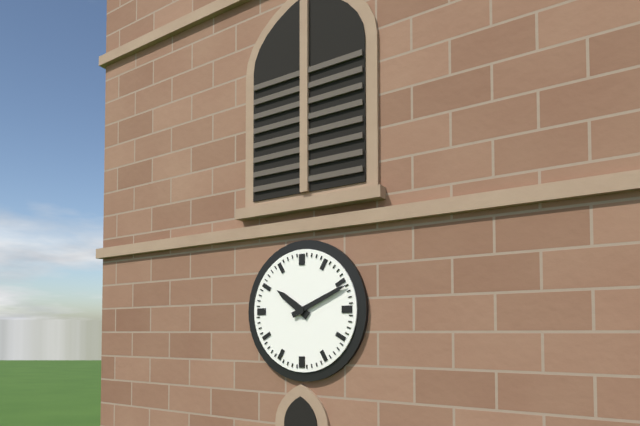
10:11
